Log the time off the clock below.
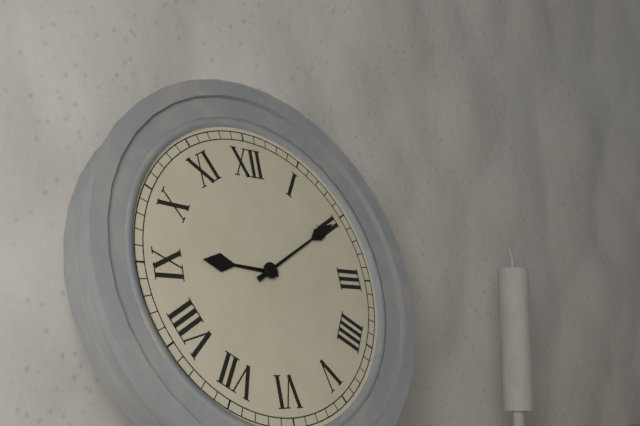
9:10
